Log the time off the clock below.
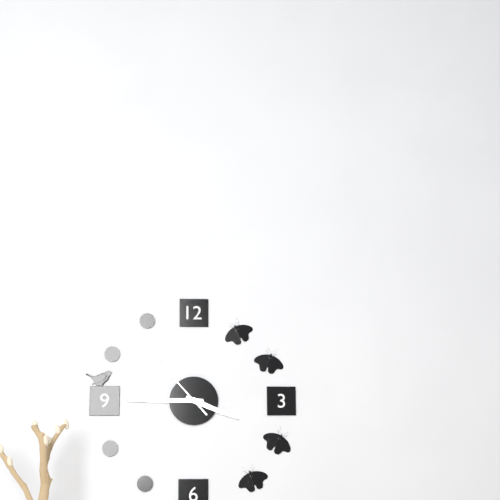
3:45:53
